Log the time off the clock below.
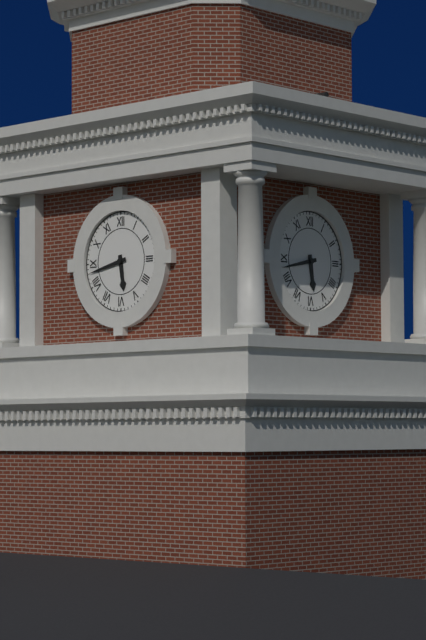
5:43
